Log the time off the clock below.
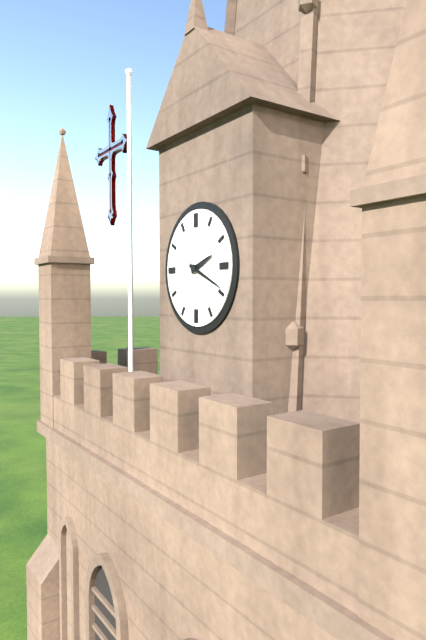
2:19
